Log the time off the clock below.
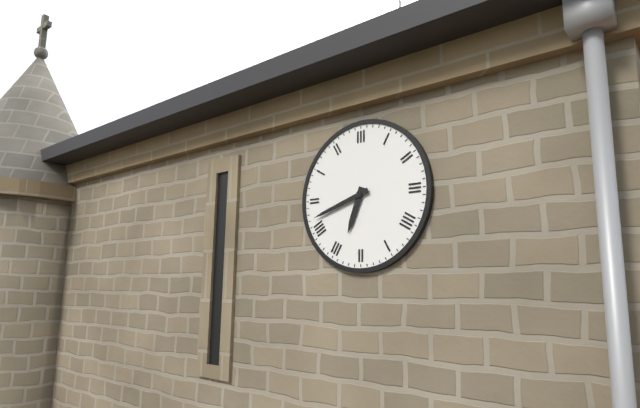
6:42
